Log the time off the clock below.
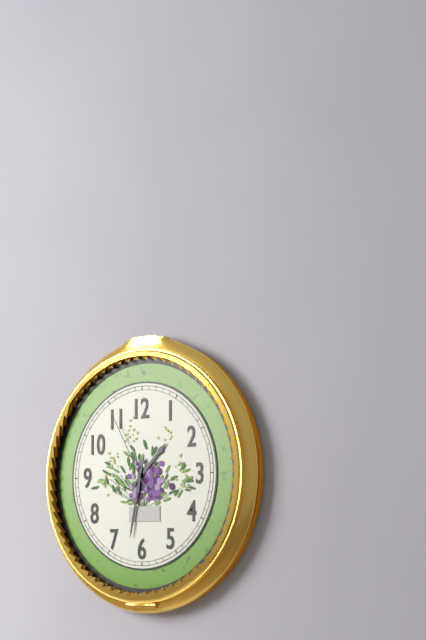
1:32:55
